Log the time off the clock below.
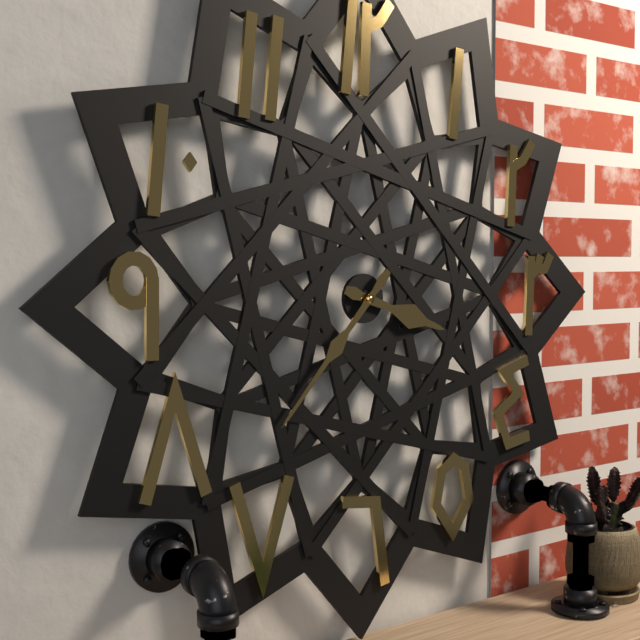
3:37
